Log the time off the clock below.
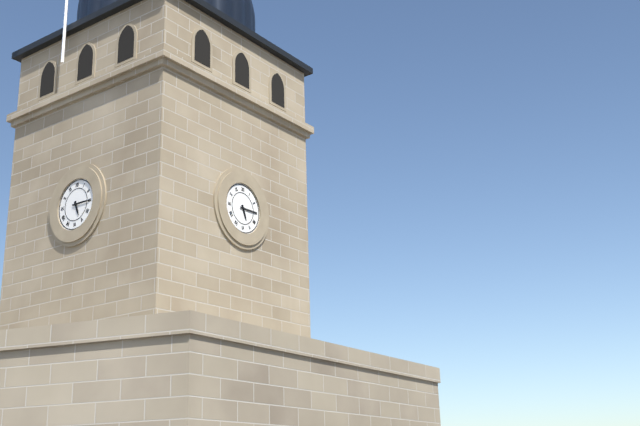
5:15
